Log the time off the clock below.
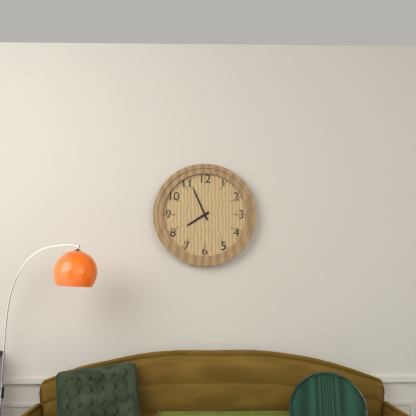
7:56
